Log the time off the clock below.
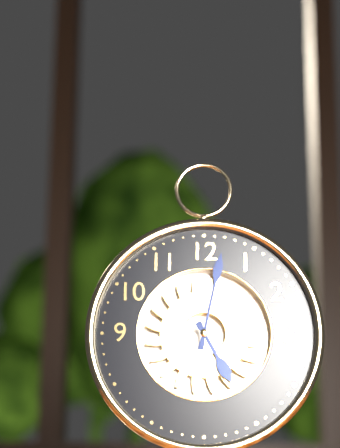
5:02
